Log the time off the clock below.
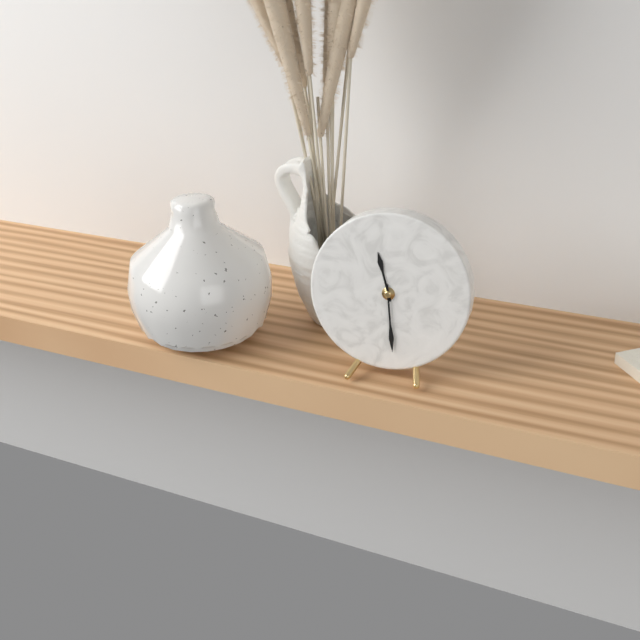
11:29
